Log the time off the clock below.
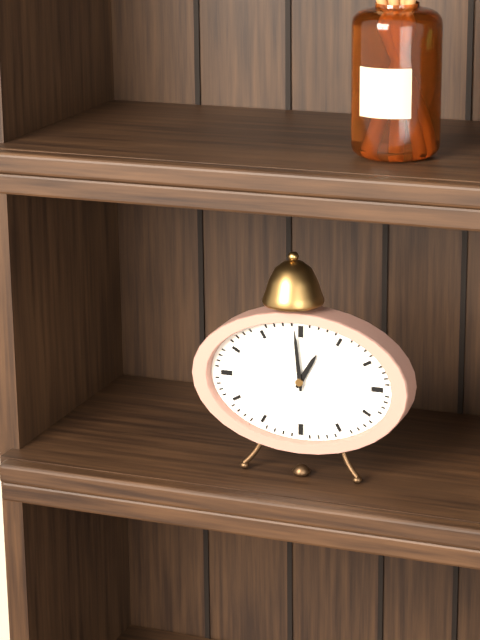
12:59
